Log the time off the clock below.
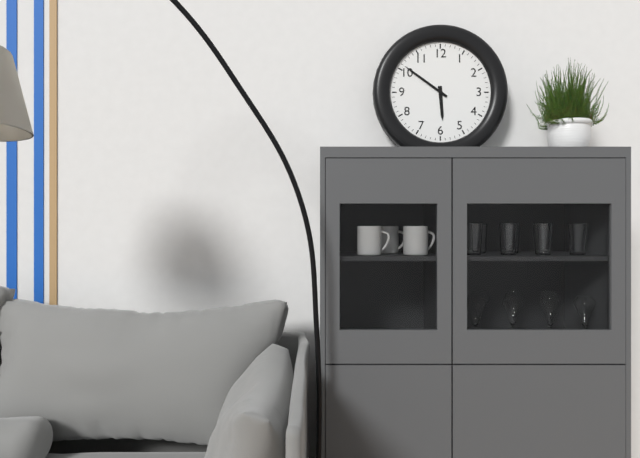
5:51
